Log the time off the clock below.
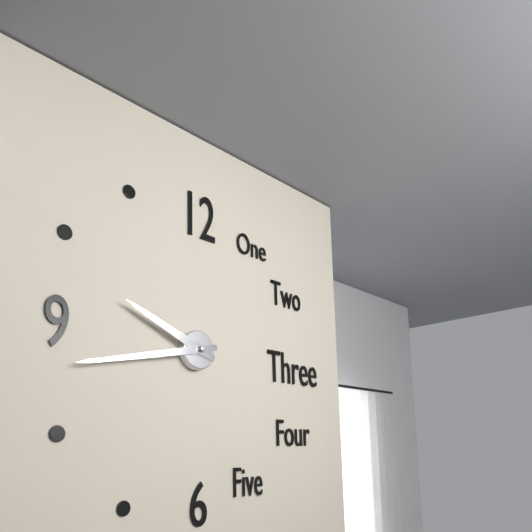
9:43
